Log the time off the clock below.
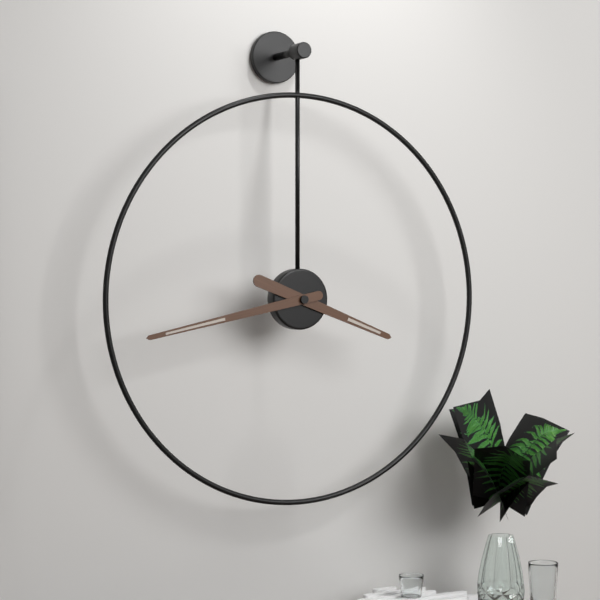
3:43
